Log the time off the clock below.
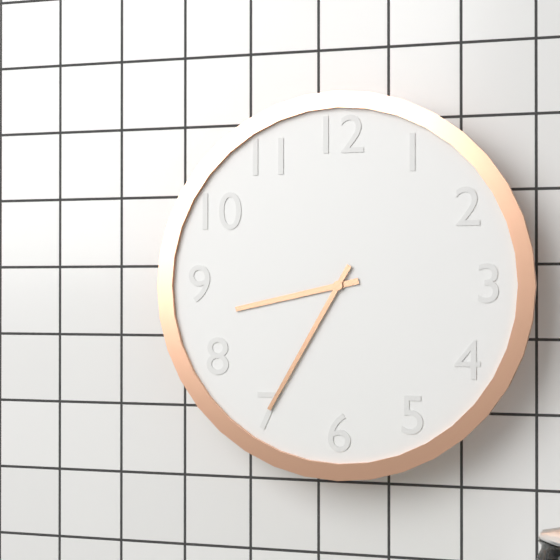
8:35
